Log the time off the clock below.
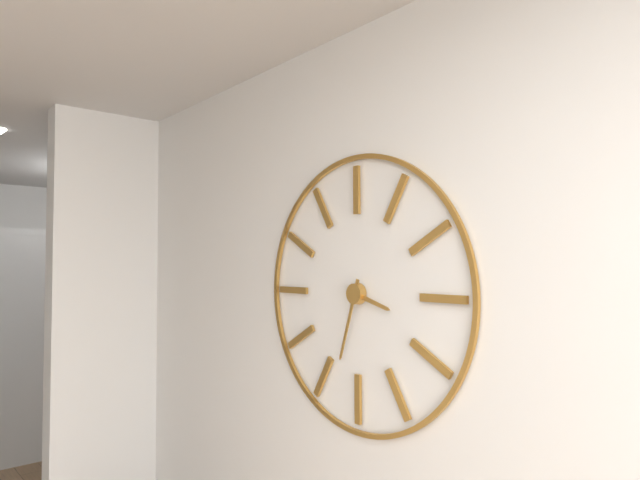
3:33
